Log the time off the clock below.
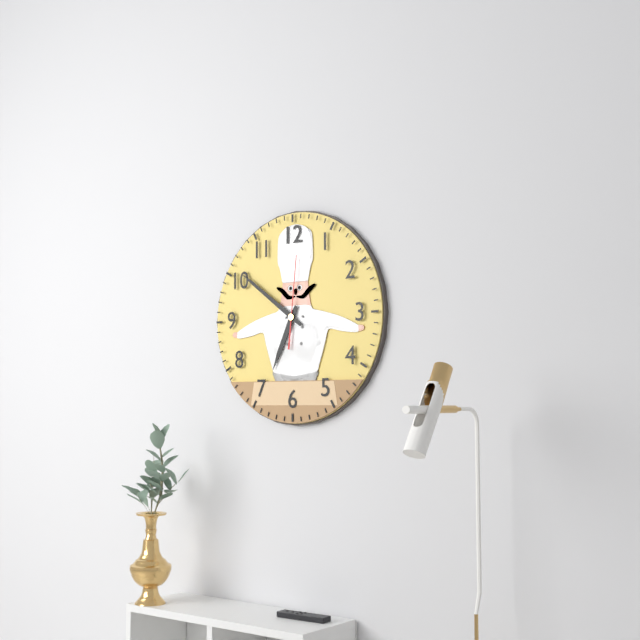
6:51:01
